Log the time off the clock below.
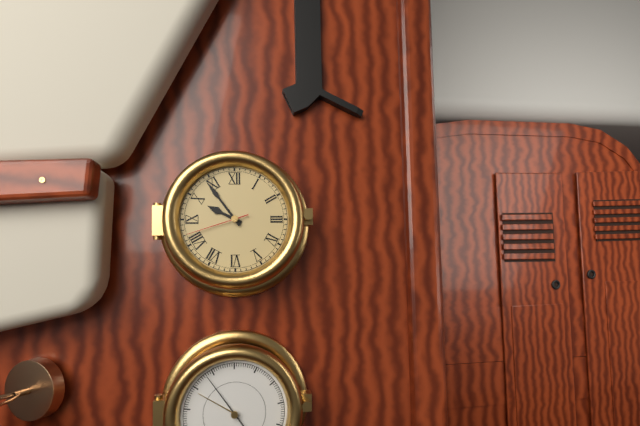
9:54:42
